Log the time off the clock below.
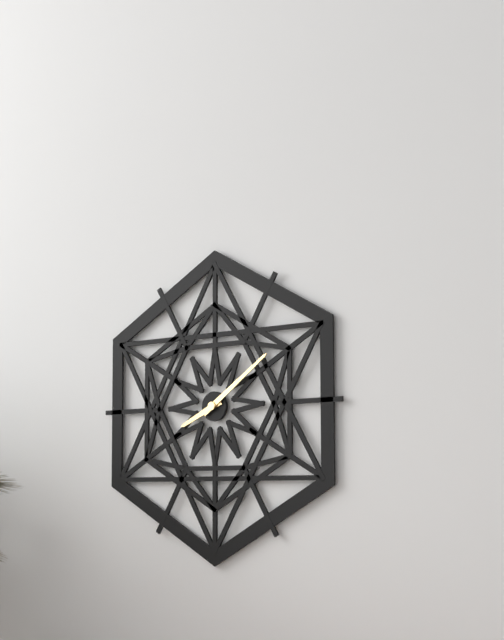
8:09
